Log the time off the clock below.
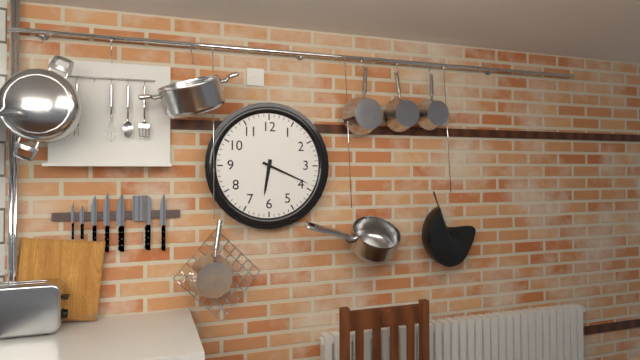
6:19
